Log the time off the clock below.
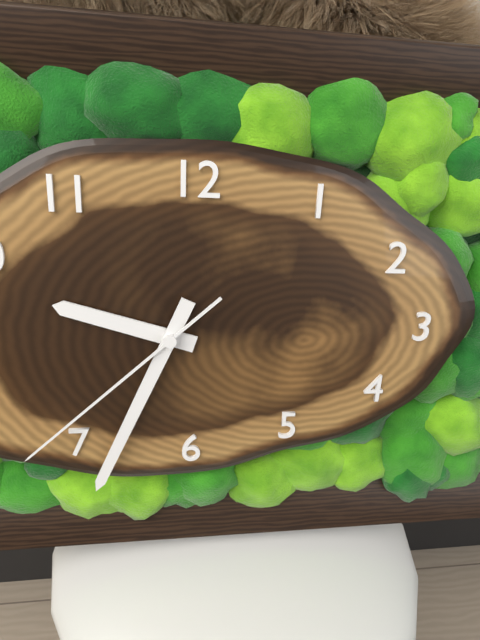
9:34:38
